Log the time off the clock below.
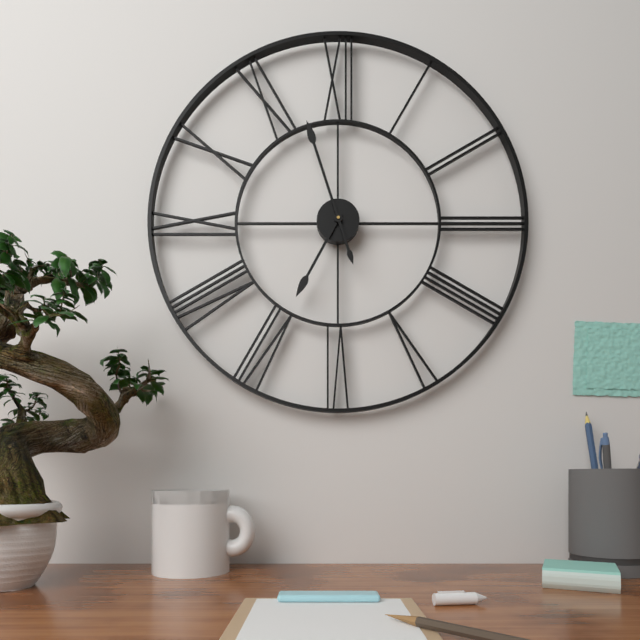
6:57
